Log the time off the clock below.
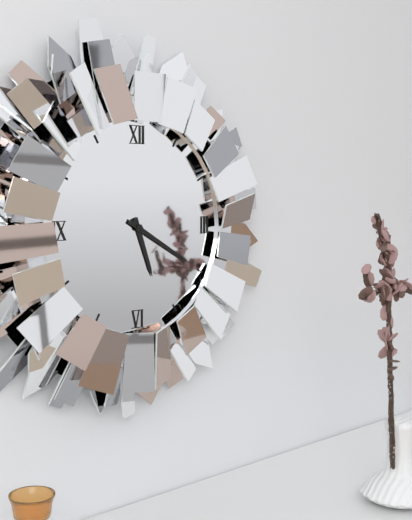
5:20
